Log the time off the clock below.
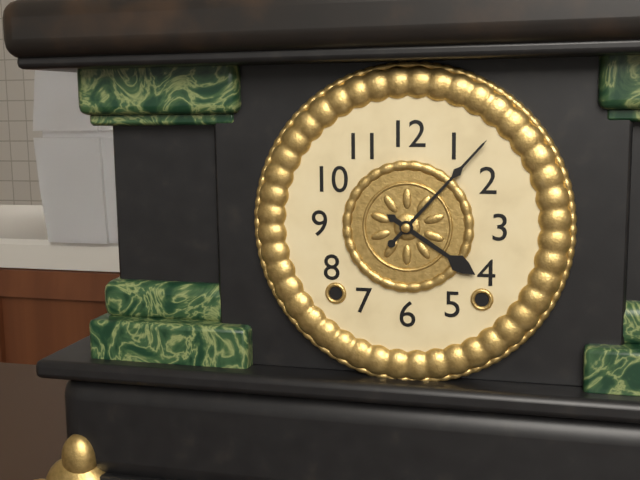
4:07
